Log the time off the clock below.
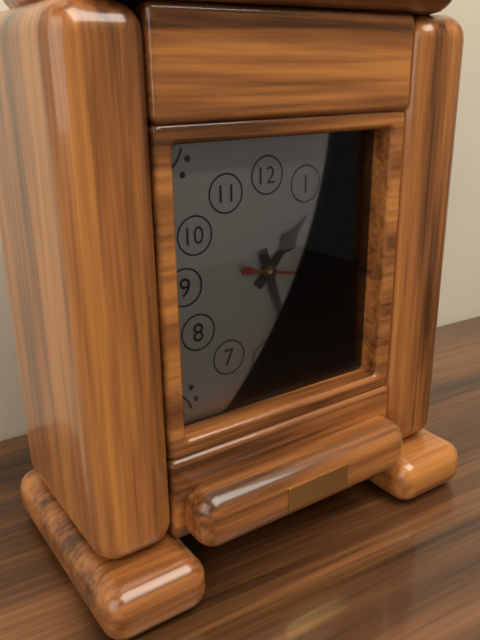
1:27:17
